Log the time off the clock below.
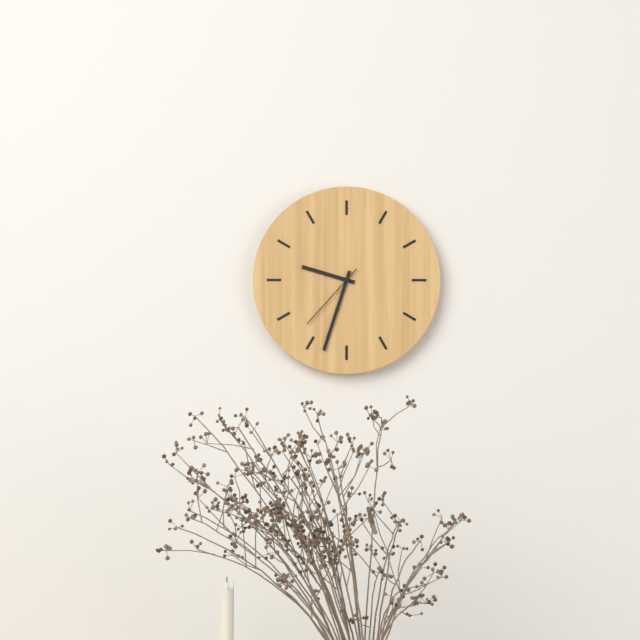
9:33:37
